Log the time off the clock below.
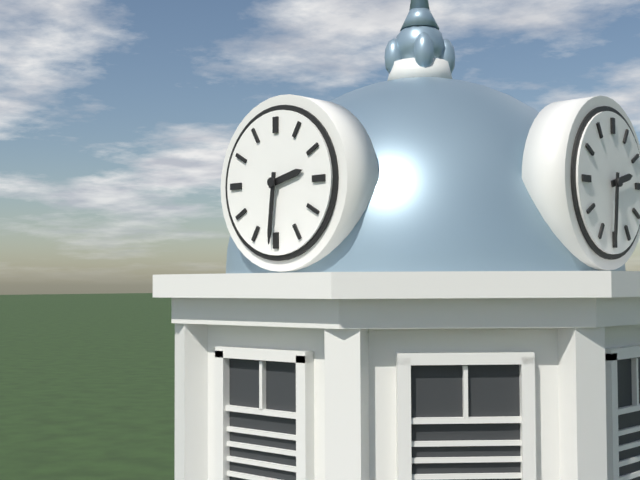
2:31
